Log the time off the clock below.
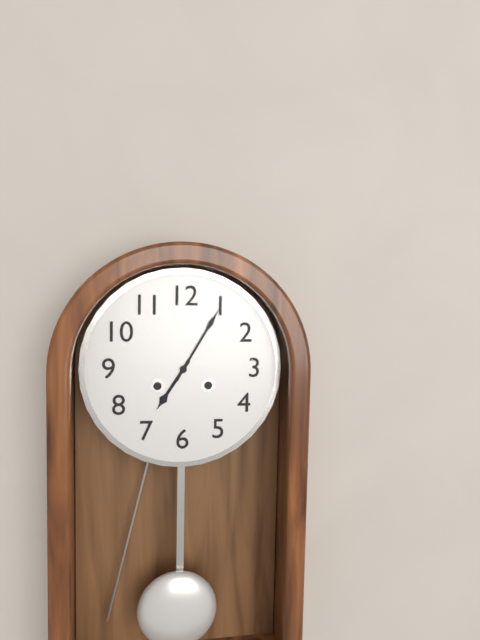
7:05
